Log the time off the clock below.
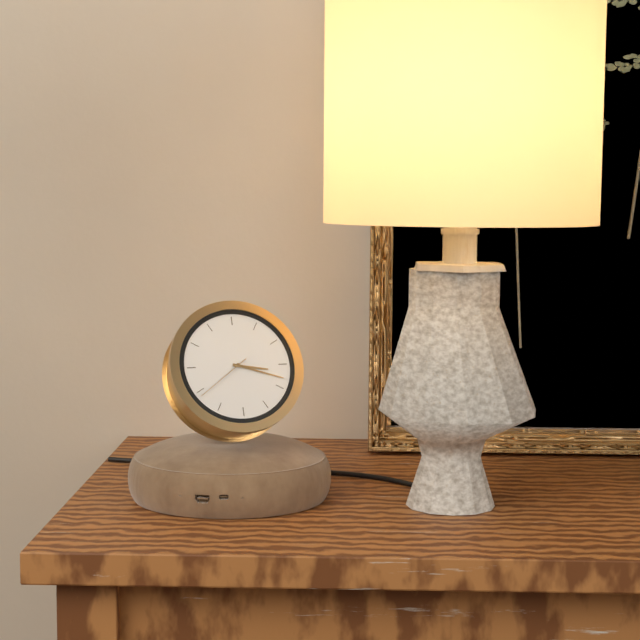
3:18:39
